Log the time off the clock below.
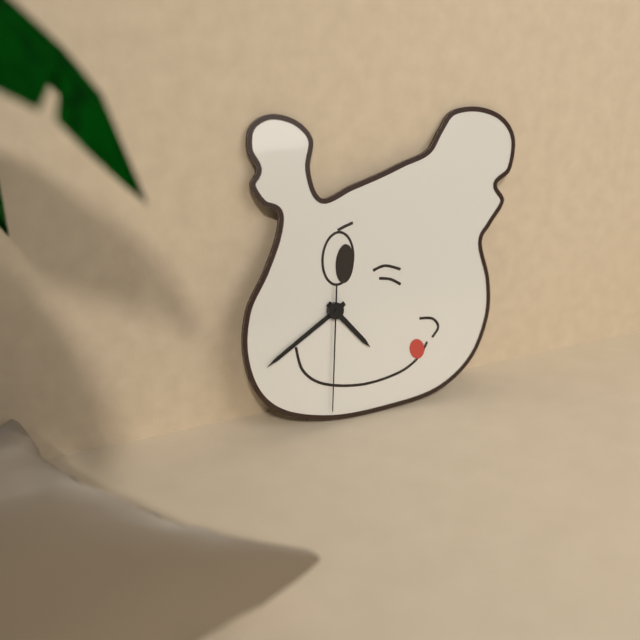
4:40:31
